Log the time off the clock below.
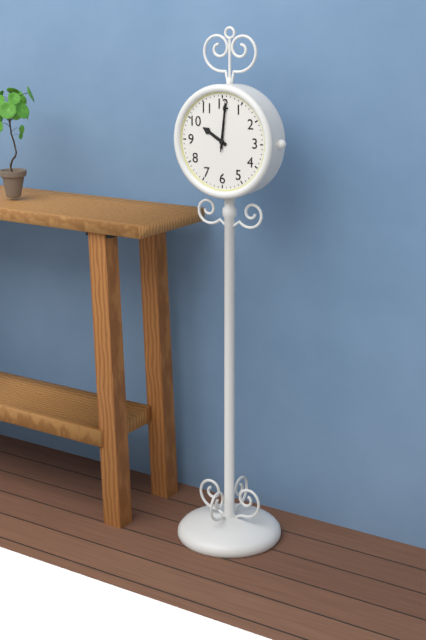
10:01:01
